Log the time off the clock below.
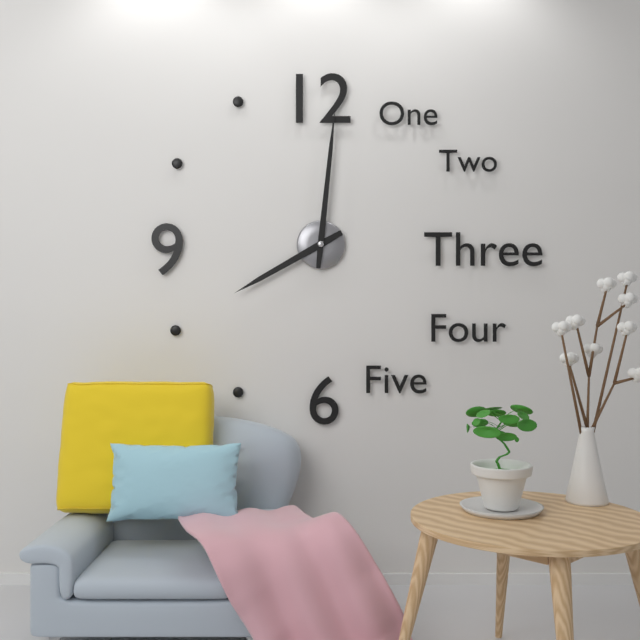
8:01
